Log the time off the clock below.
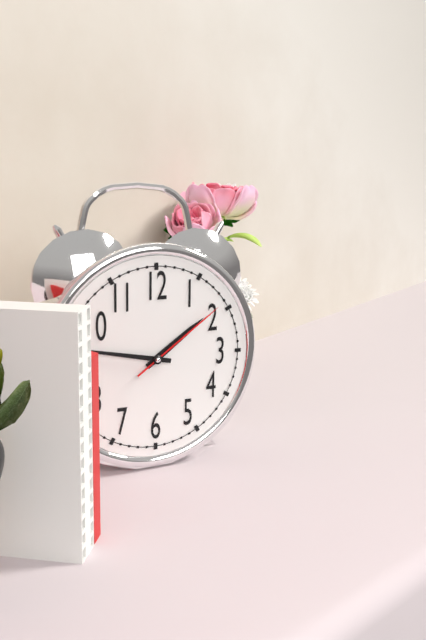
1:47:09
